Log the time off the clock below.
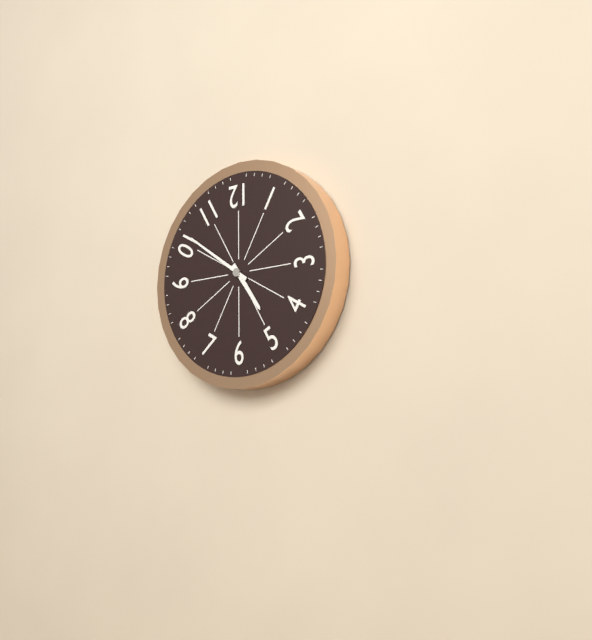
4:51
